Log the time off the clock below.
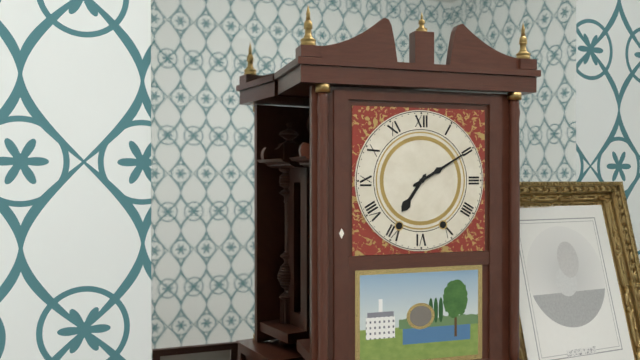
7:10
